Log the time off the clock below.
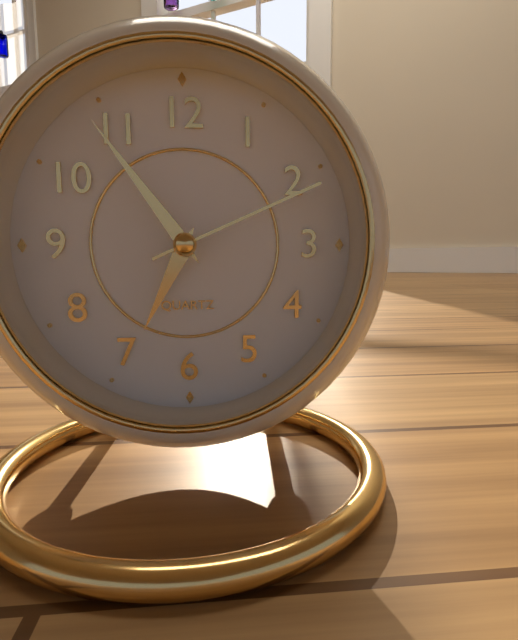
6:54:11
